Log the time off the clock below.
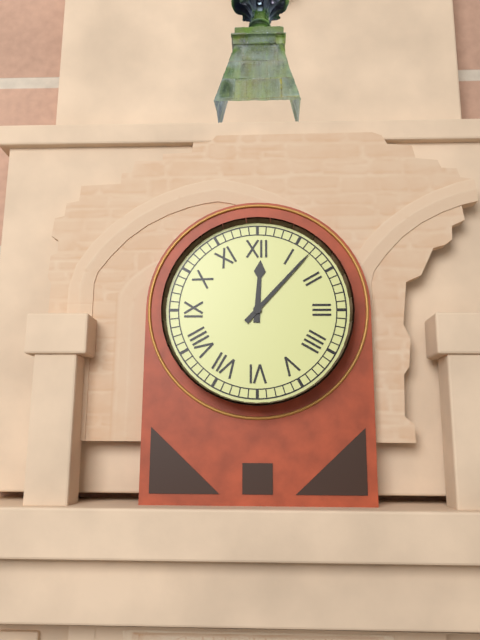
12:07
